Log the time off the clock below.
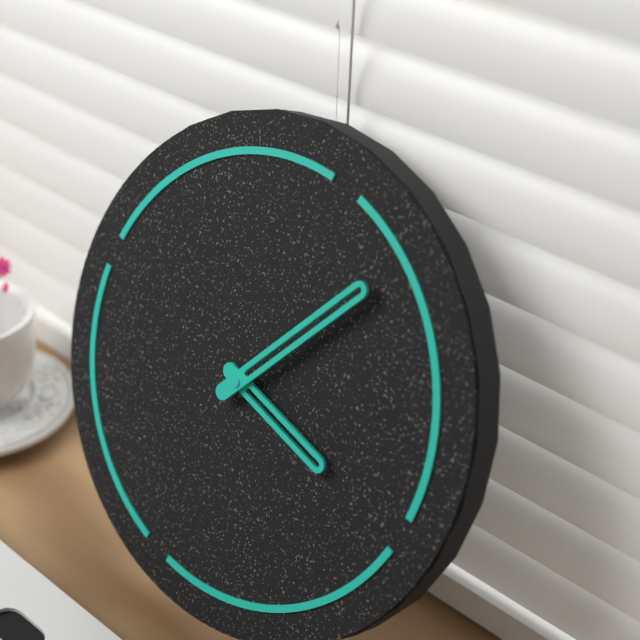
3:04
